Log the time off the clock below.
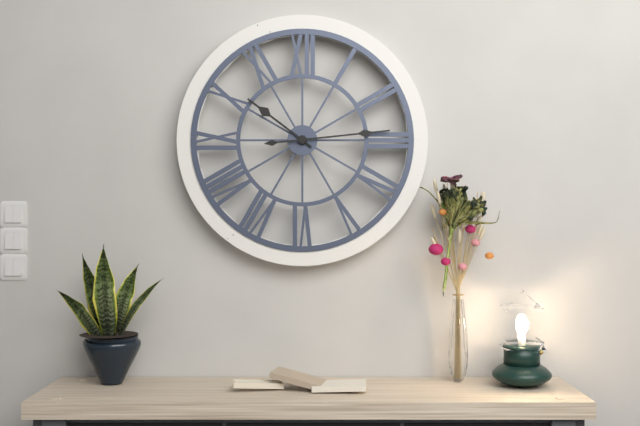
10:14
